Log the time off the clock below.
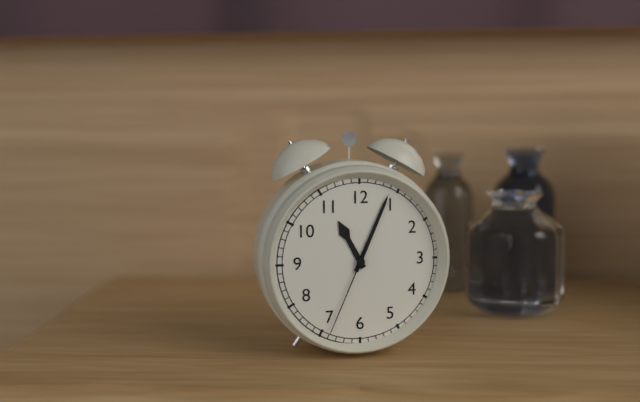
11:04:34
